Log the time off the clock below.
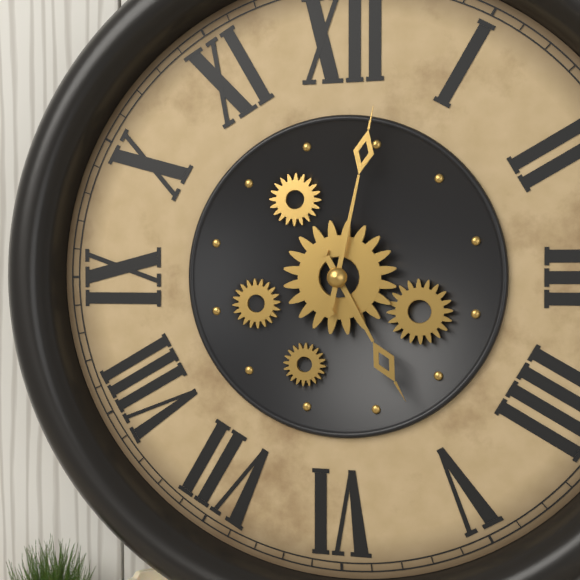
5:02
